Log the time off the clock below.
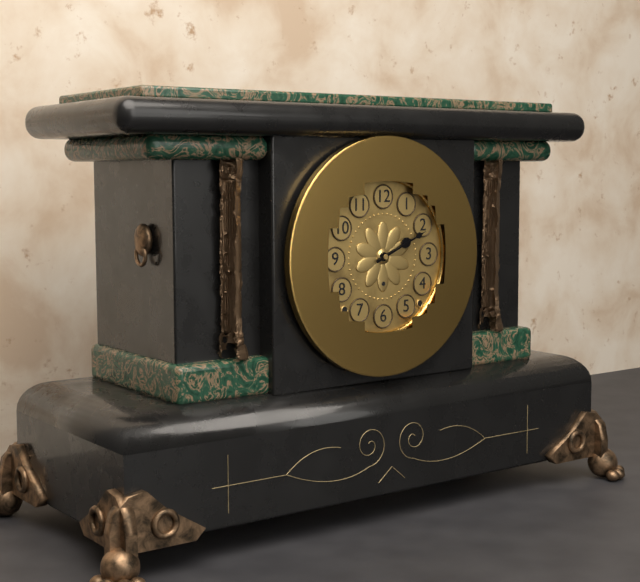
2:11
